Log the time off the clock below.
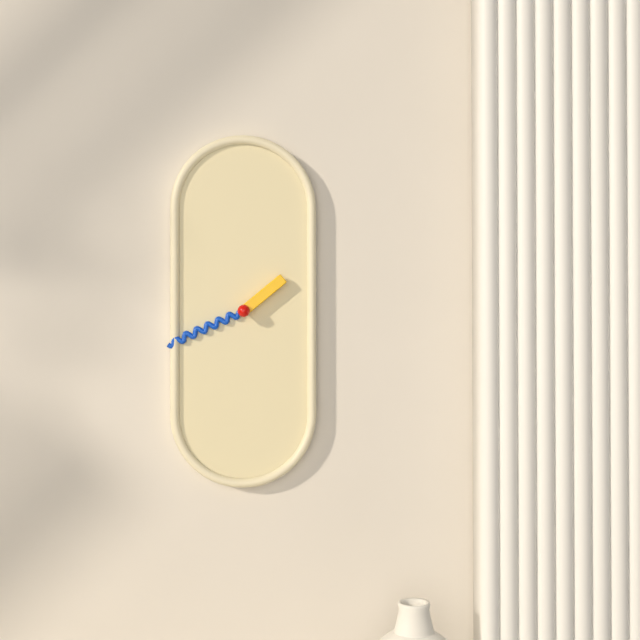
1:41
